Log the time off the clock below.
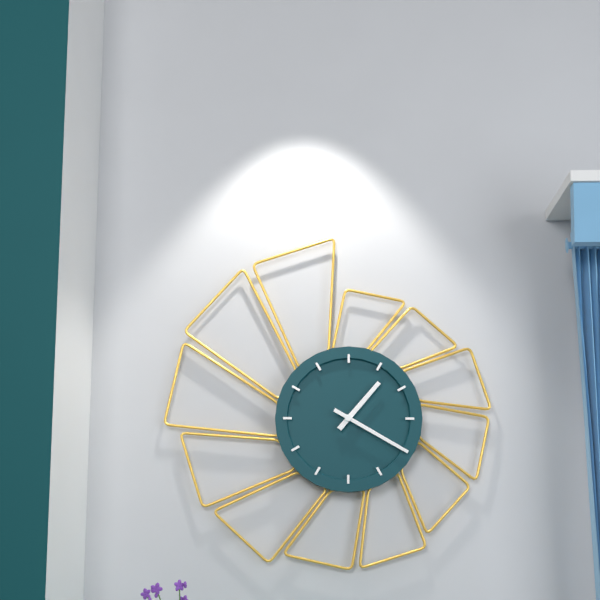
1:20
